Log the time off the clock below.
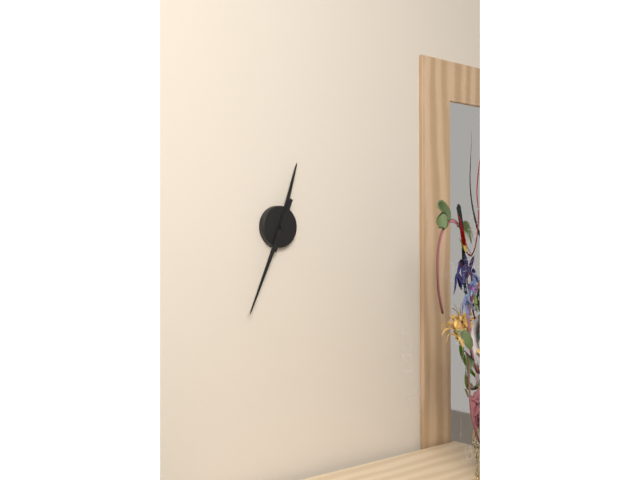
12:34
